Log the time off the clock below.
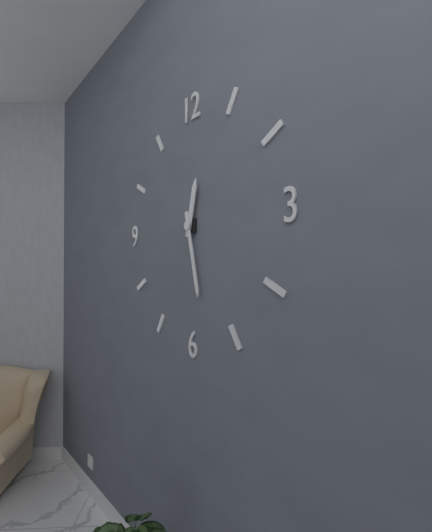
12:28
